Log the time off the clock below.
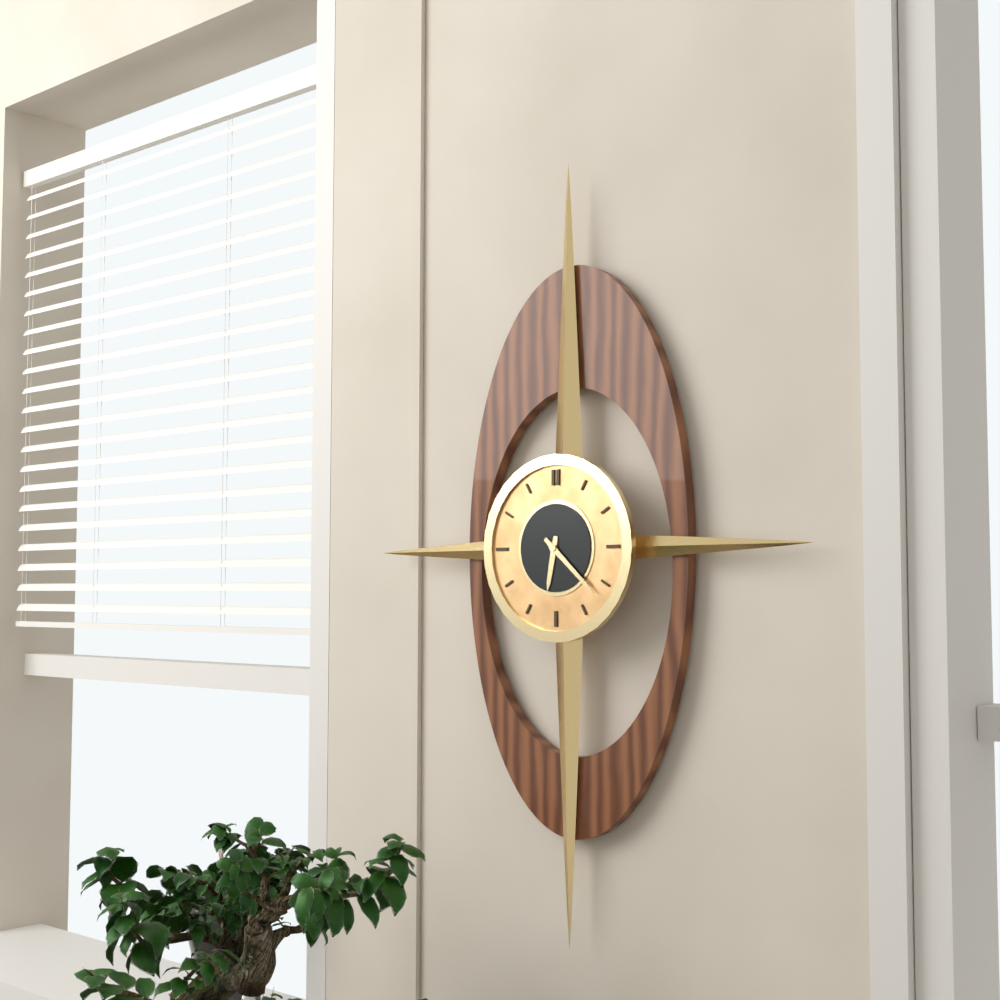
6:22
